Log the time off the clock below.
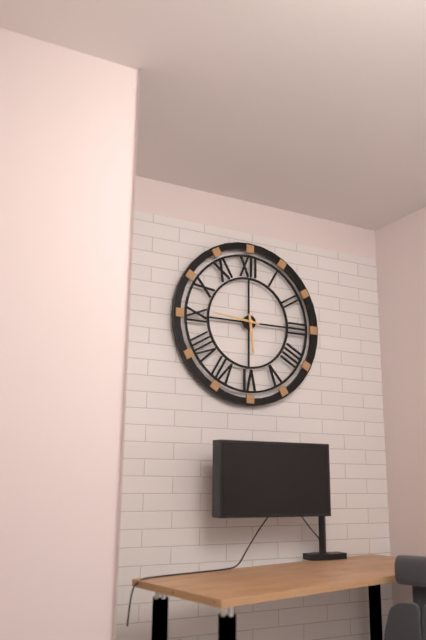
5:46
